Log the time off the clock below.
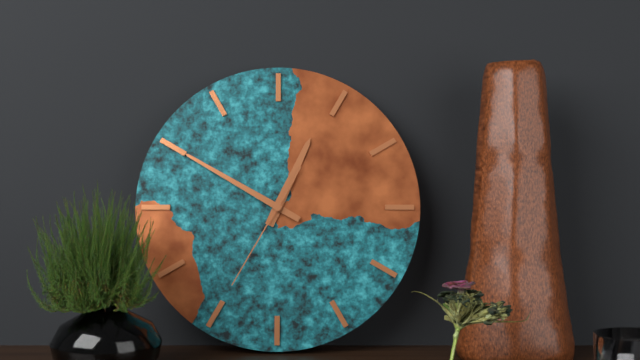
12:50:35
